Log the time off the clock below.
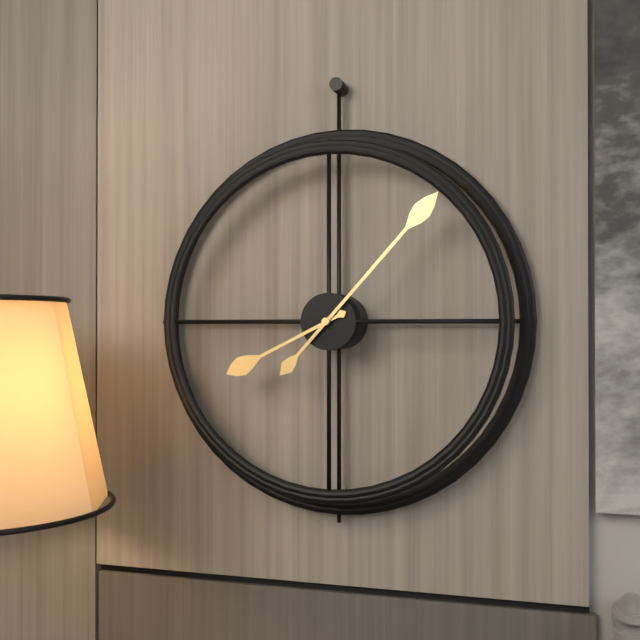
8:07
